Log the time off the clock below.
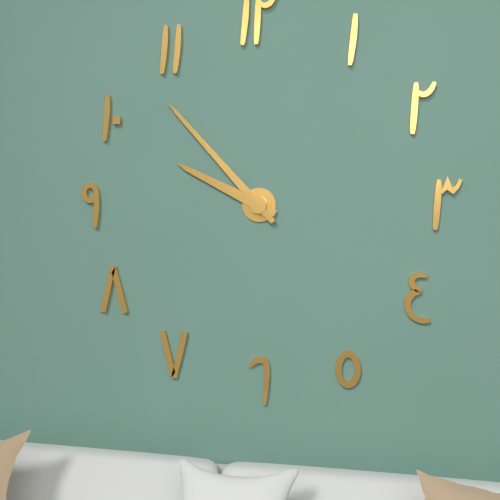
9:53
